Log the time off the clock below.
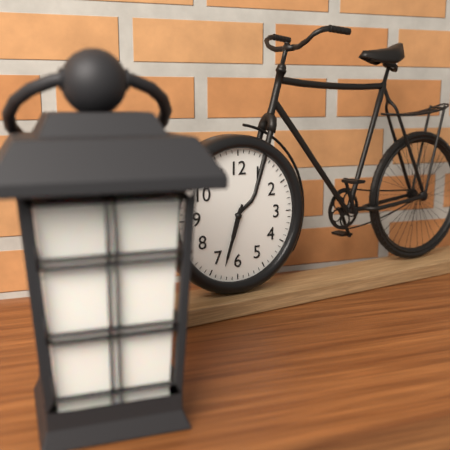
6:33
